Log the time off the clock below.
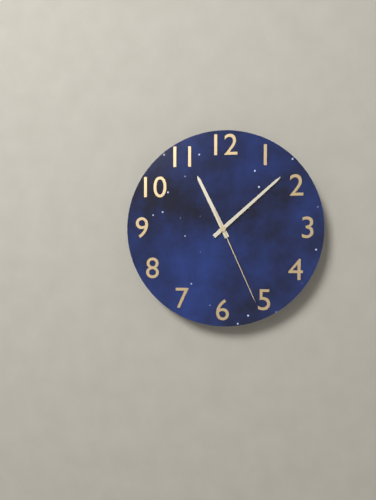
11:08:26
